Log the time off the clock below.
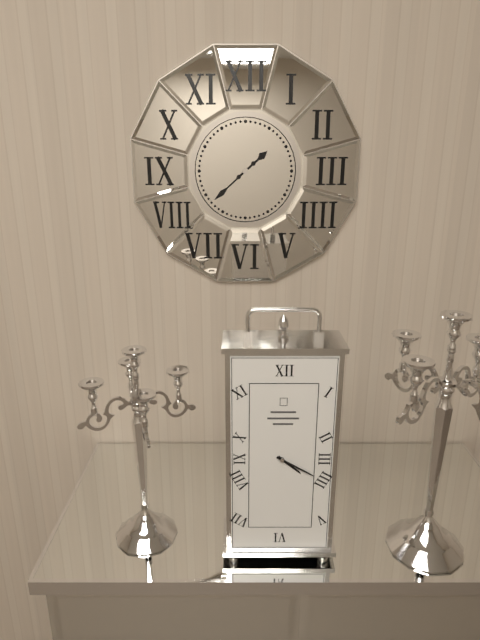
1:38
